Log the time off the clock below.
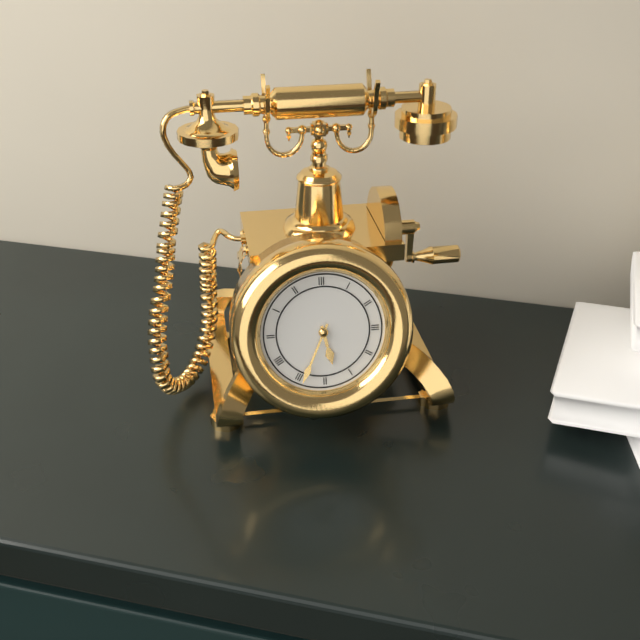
5:34
